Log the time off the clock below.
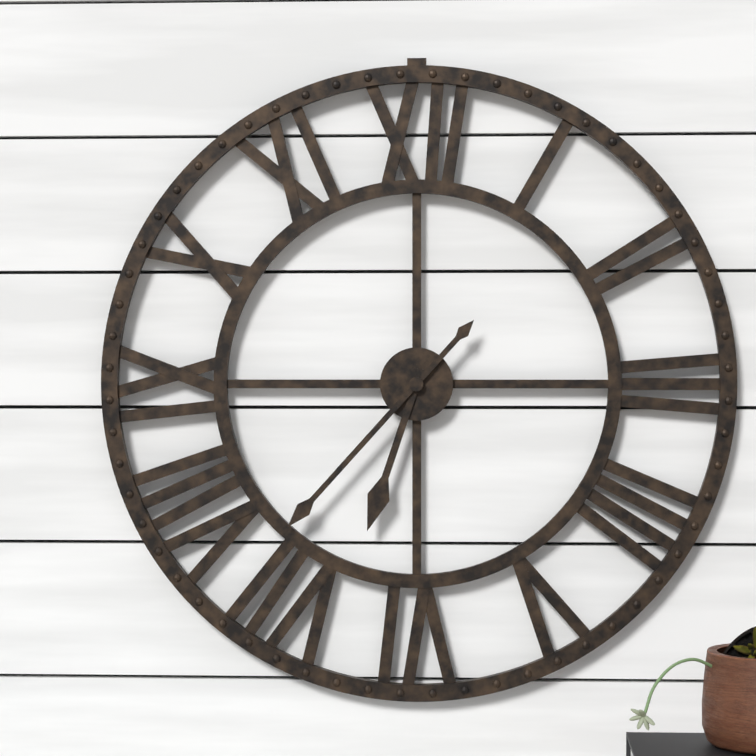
6:37
